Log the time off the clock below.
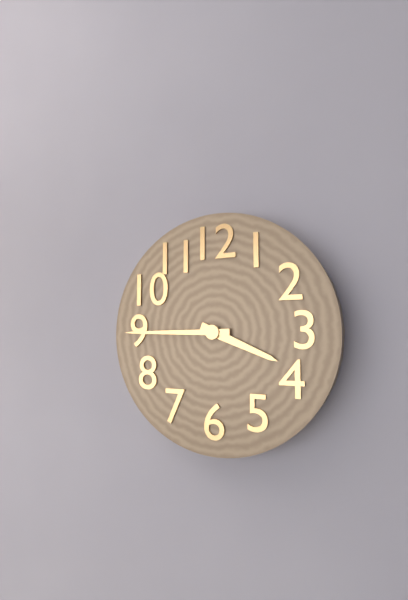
3:45
